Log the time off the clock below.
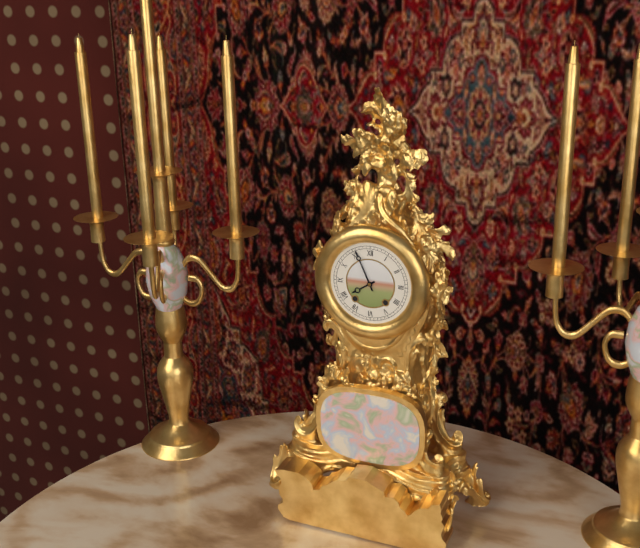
7:56
